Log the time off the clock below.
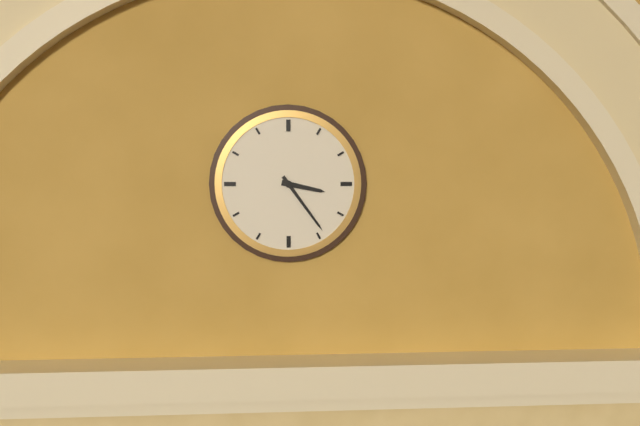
3:24
